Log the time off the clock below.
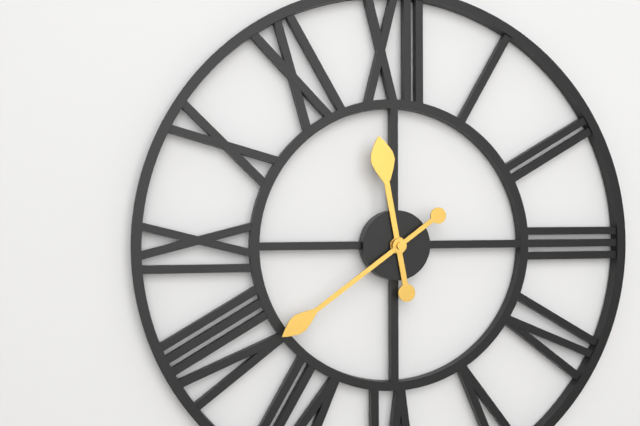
11:39
